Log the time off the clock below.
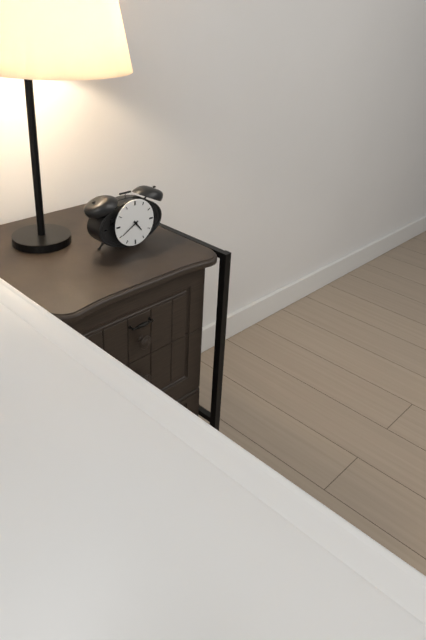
4:40
